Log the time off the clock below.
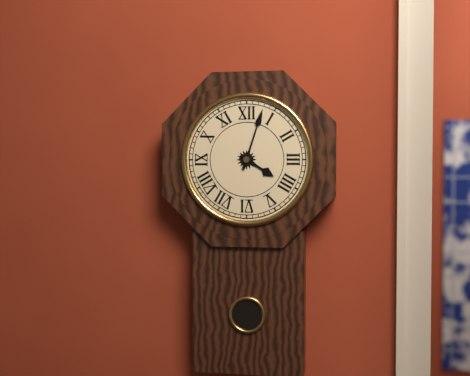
4:03
